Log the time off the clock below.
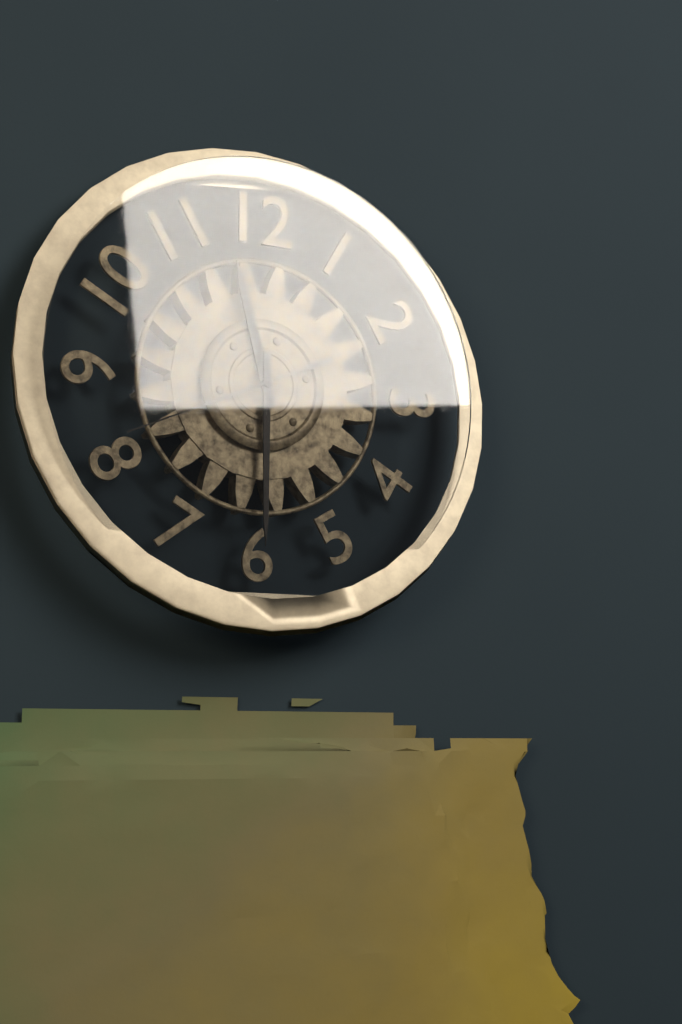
11:30:41
